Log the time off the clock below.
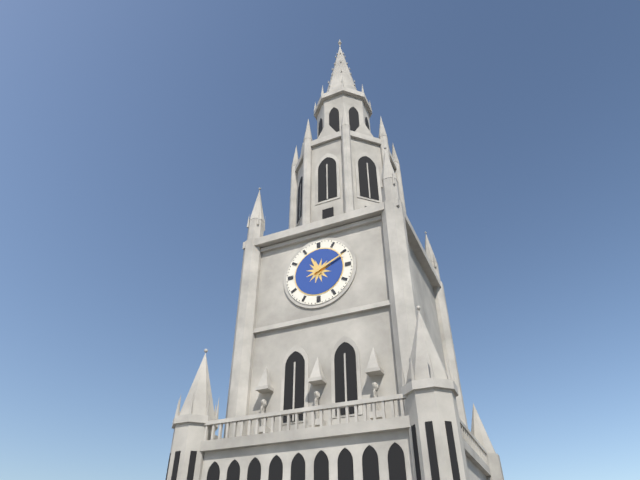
11:11
